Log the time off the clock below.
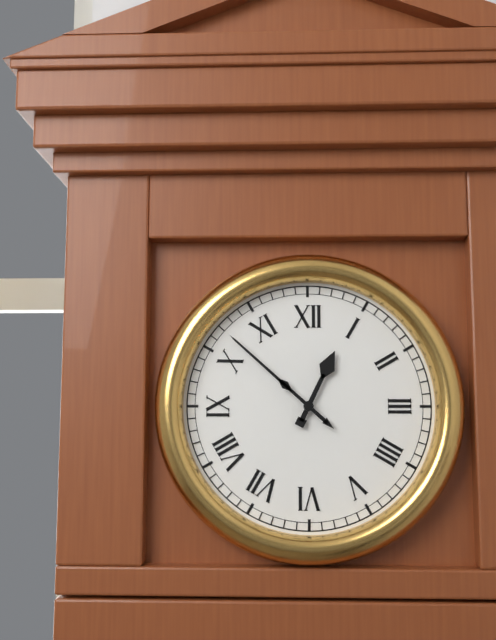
12:52
